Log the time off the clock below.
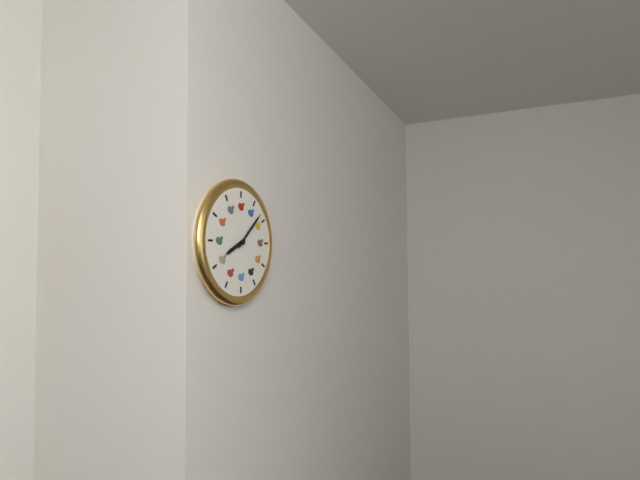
8:08
